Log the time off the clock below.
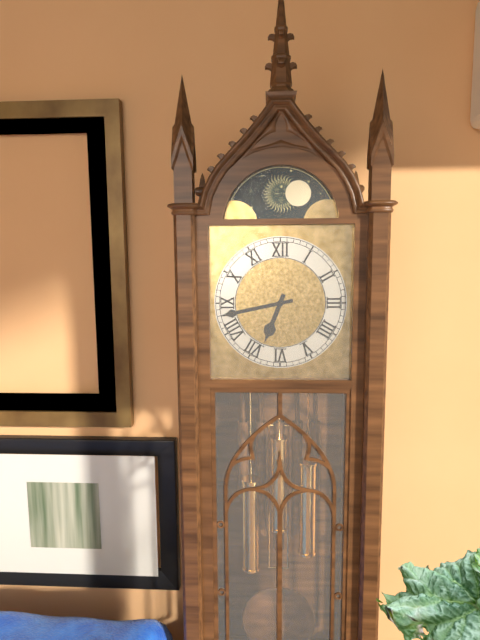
6:43
